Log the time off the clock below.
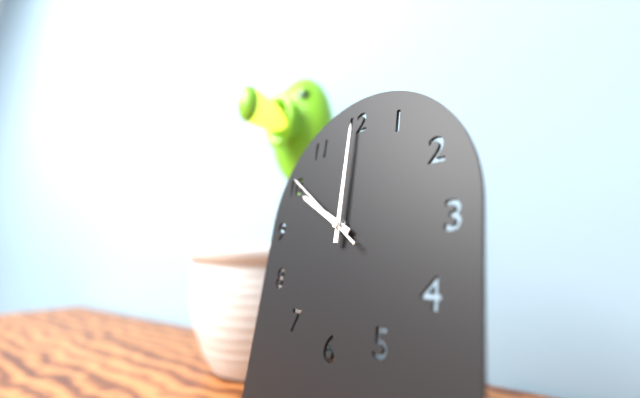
10:00:51
